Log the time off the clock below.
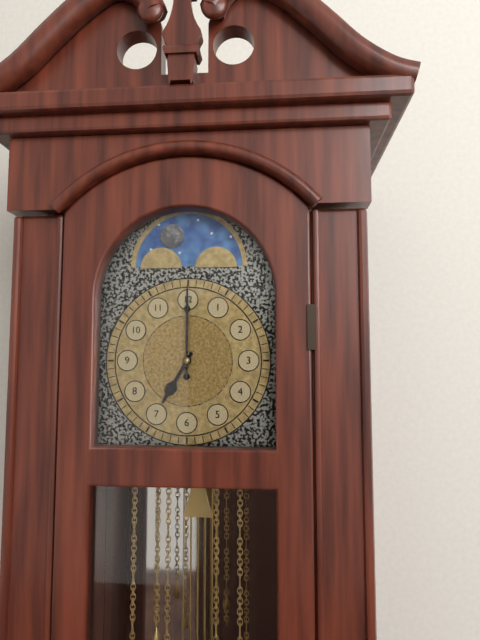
7:00
